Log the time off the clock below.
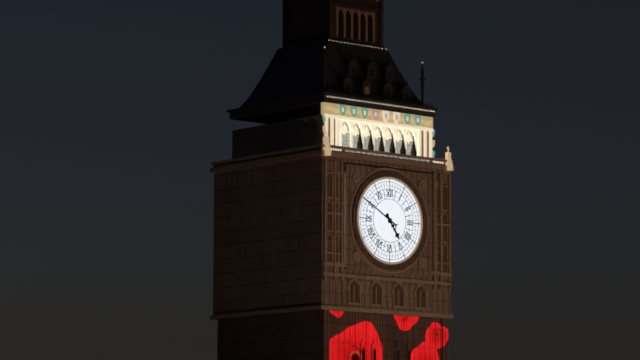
4:50
